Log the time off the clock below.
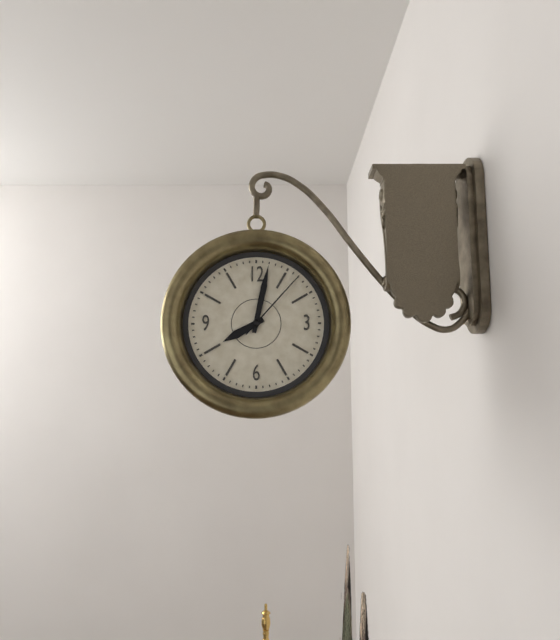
8:02:07
